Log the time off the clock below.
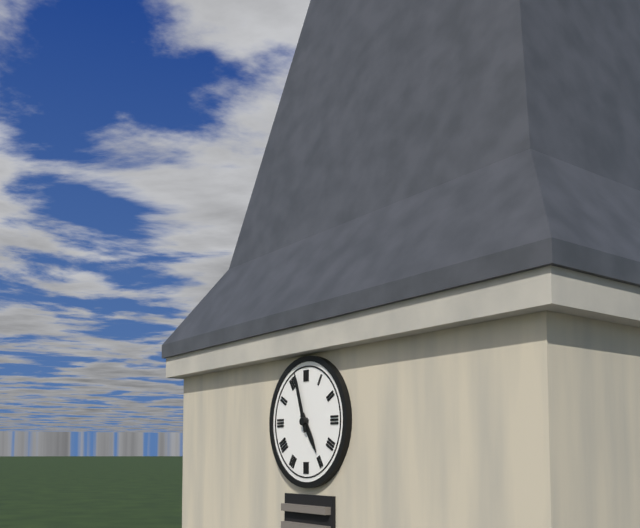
4:57
